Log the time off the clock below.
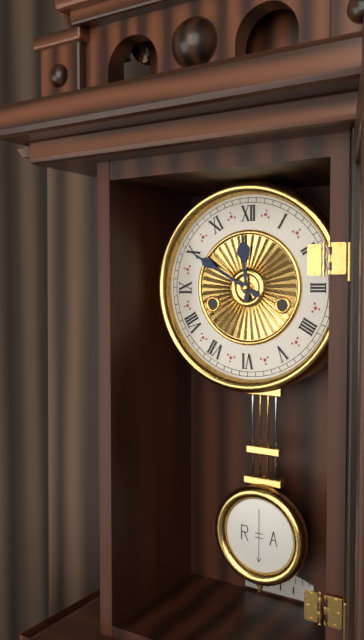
11:50
